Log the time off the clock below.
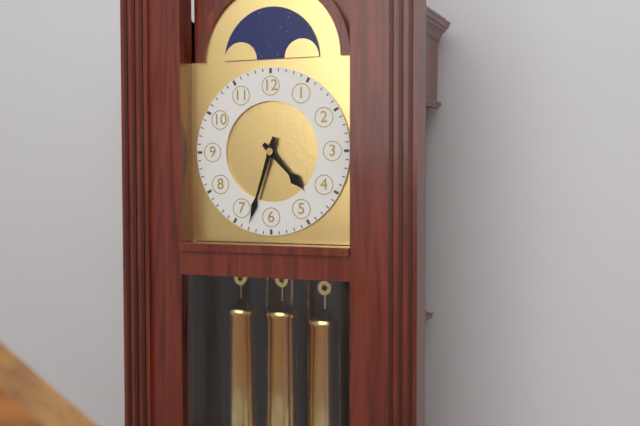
4:33
